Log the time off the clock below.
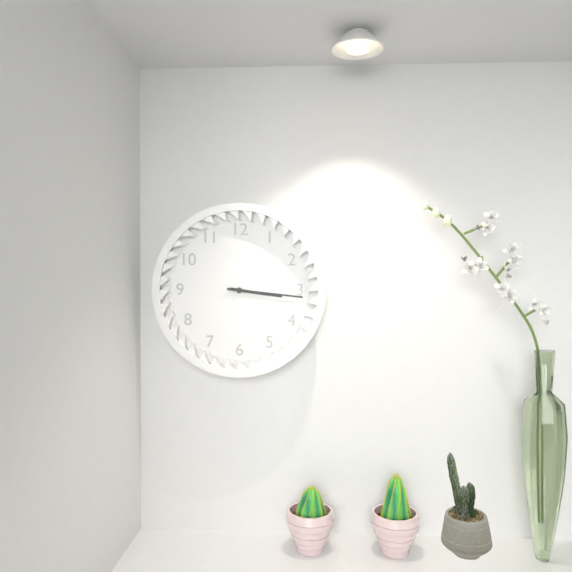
3:16
